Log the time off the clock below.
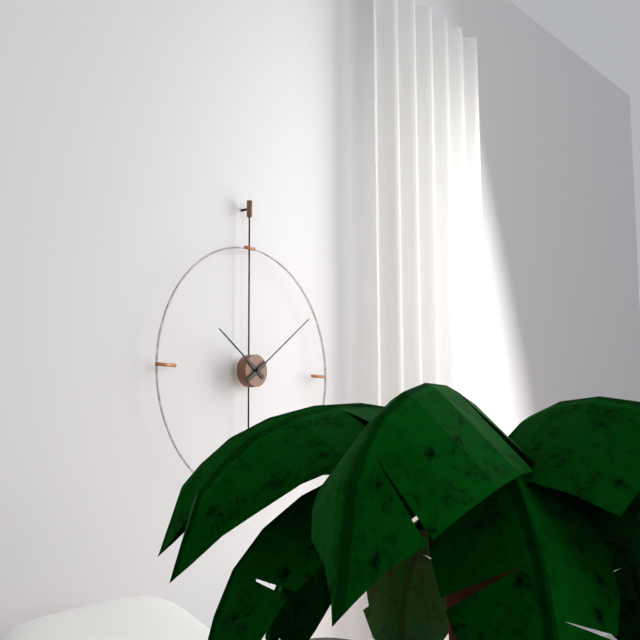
10:09
